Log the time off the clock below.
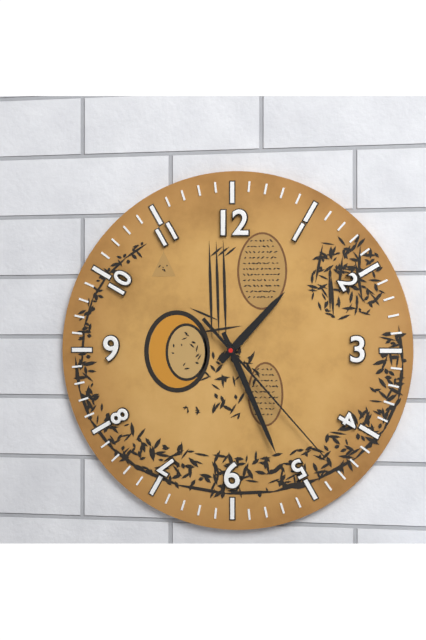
1:26:23
